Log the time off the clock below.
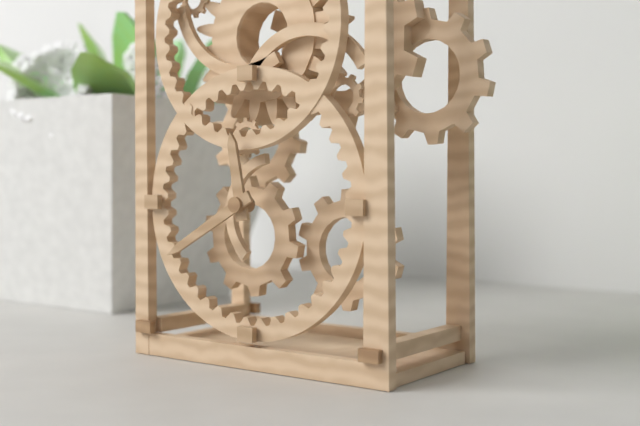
11:40
